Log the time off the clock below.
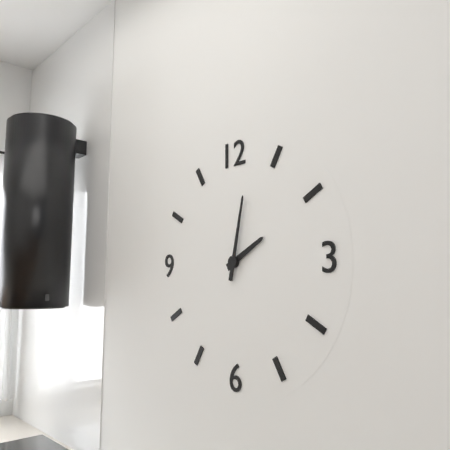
2:02
